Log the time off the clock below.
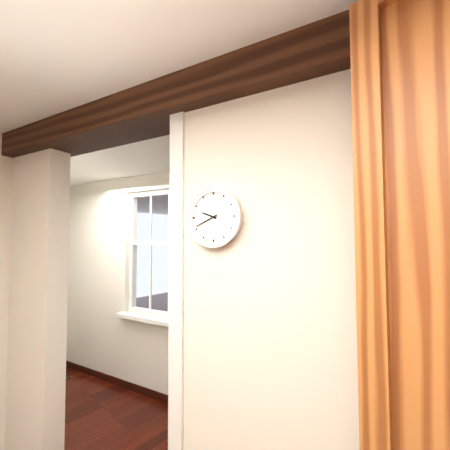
9:41
